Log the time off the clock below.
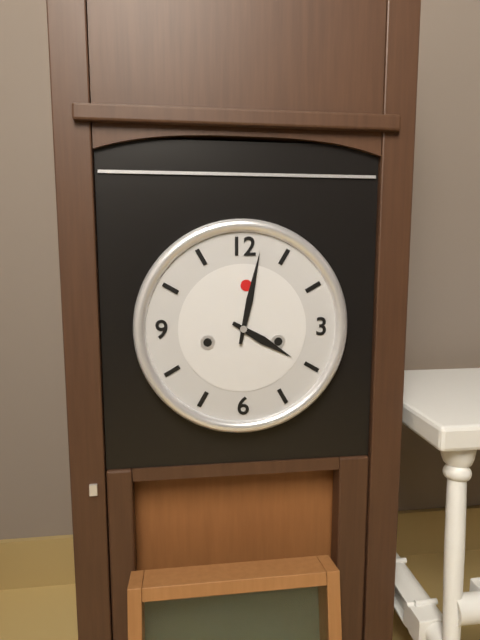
4:02
